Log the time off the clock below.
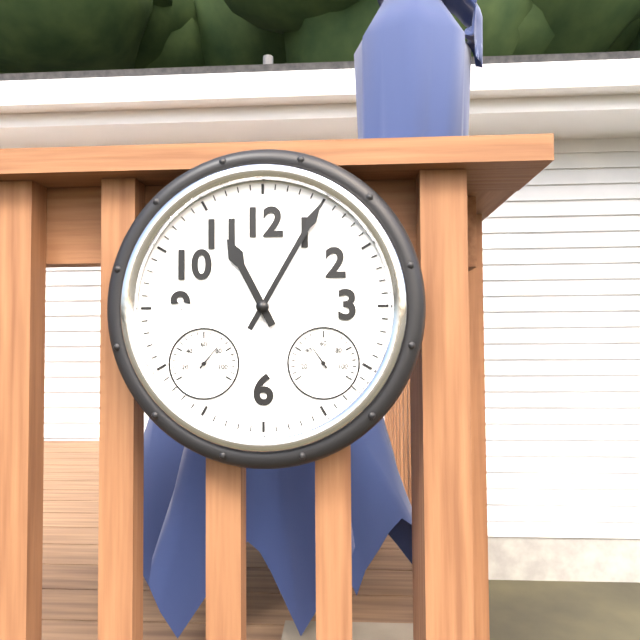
11:05
